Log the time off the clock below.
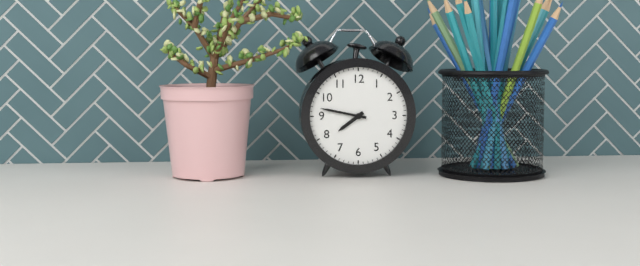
7:47
